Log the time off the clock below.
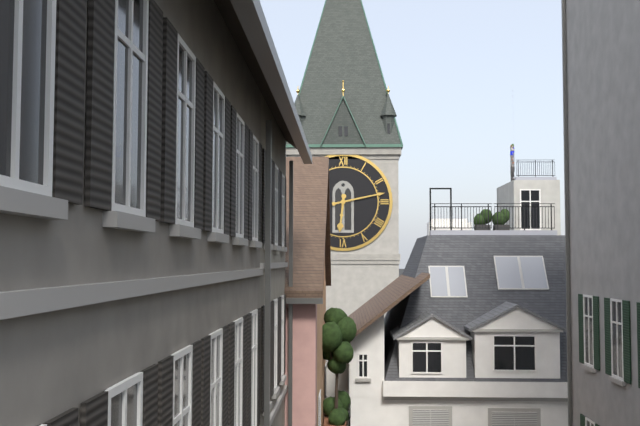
6:13
